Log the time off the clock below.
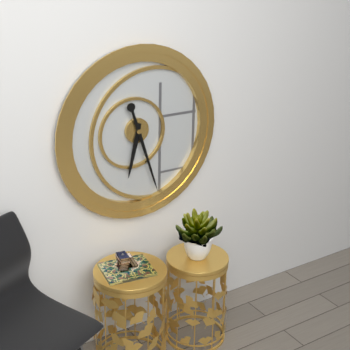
6:27
